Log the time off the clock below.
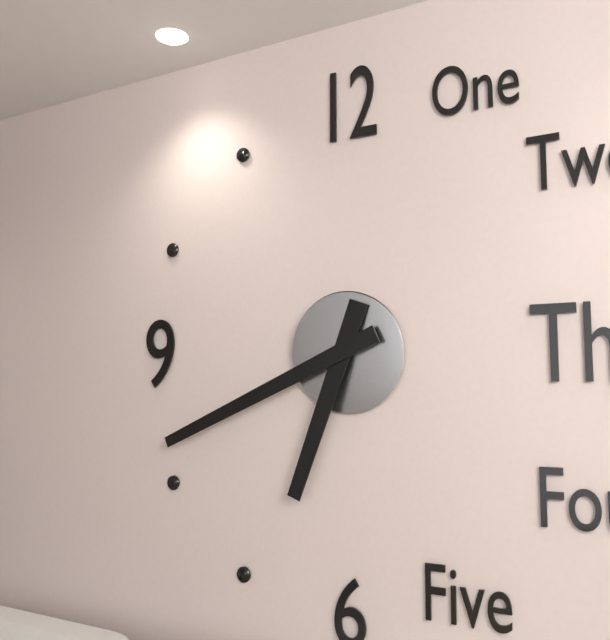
6:41
